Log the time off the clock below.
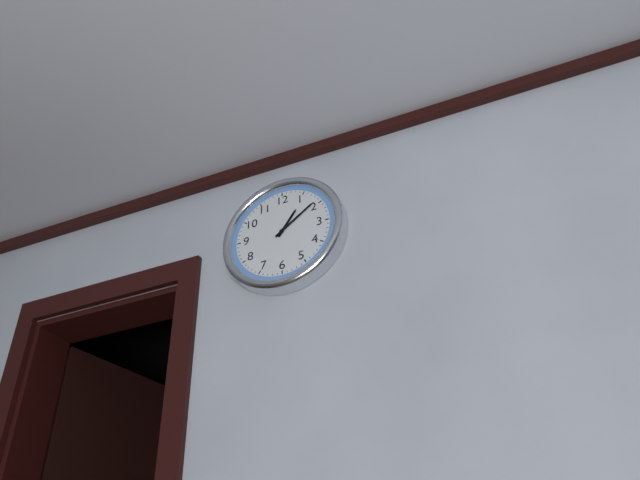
1:09
